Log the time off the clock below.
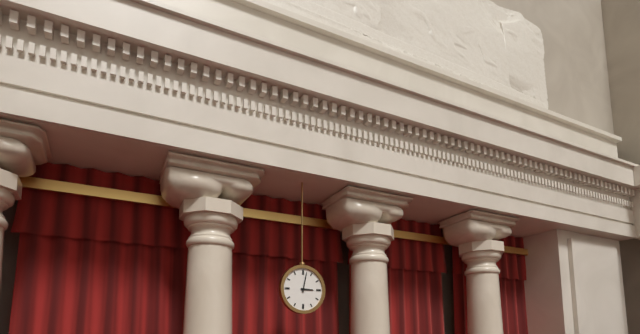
3:02
